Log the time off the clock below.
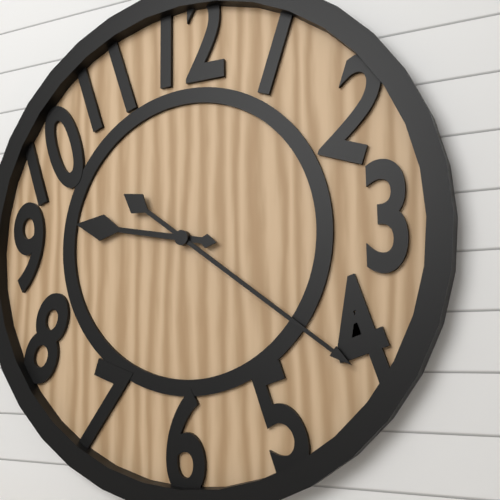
9:21
